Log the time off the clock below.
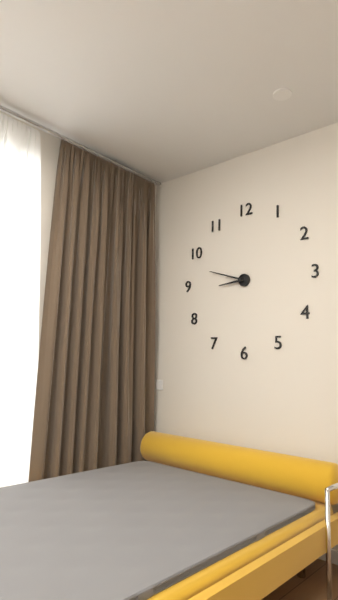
8:48
